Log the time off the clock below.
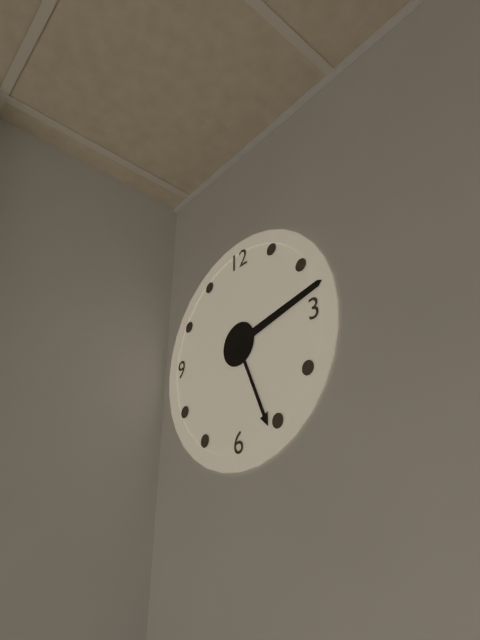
5:13
